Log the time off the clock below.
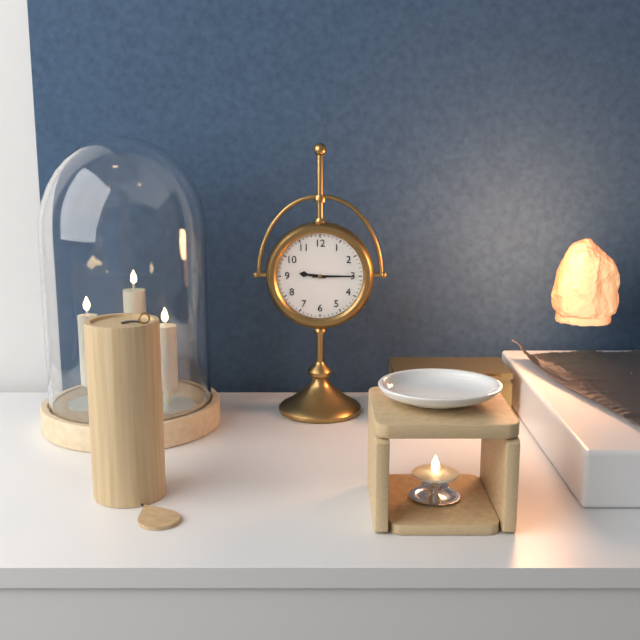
9:15
